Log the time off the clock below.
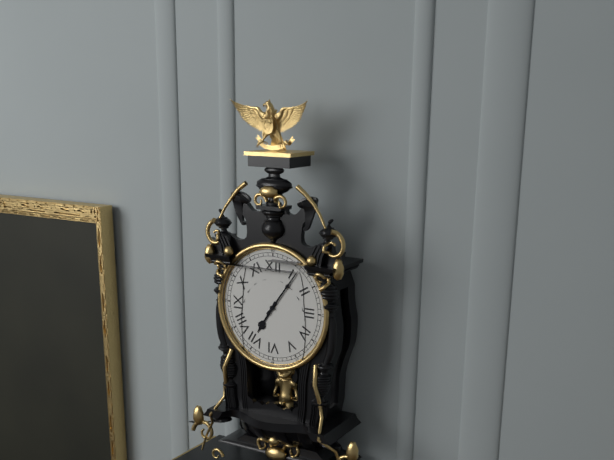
7:06
